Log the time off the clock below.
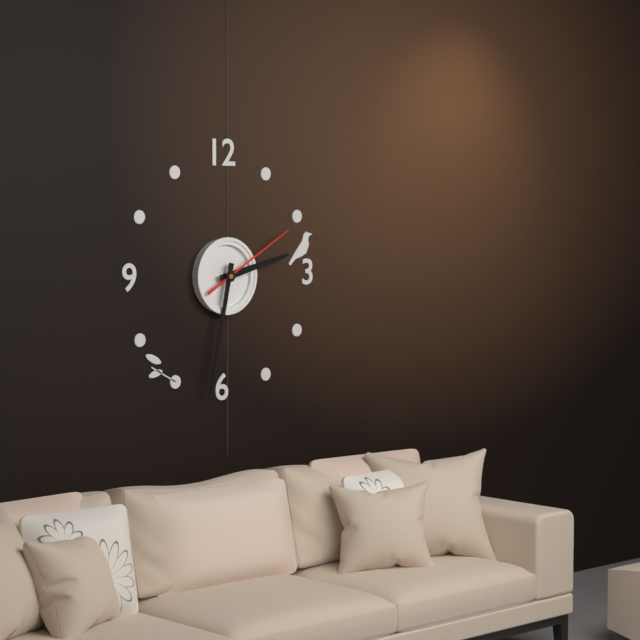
2:32:10
